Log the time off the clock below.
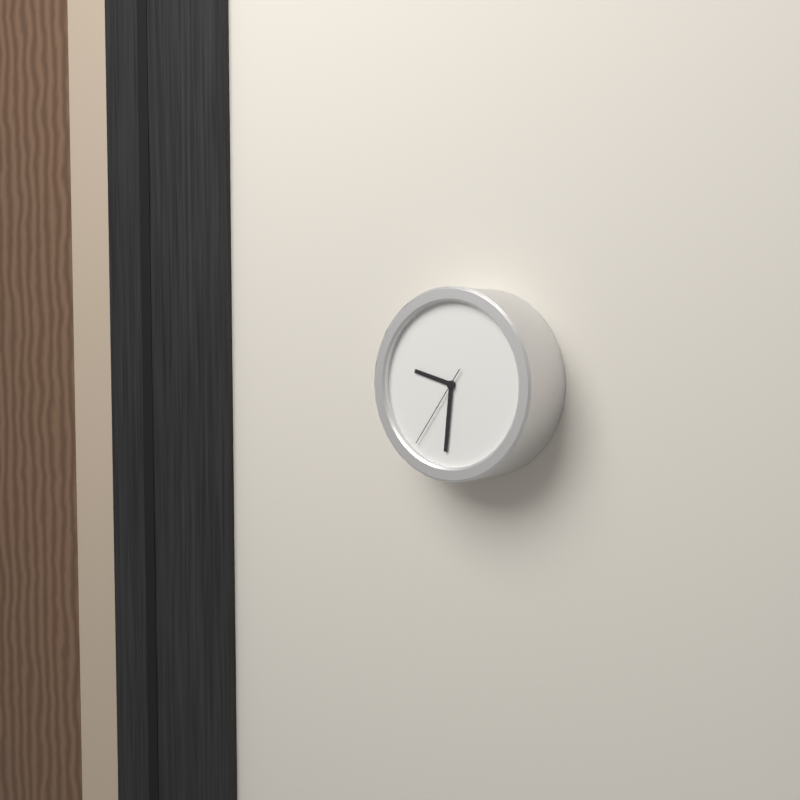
9:31:36
